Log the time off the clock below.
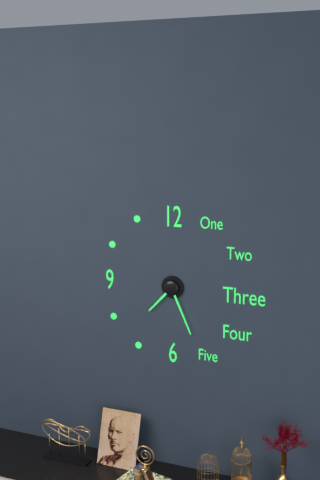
7:26
